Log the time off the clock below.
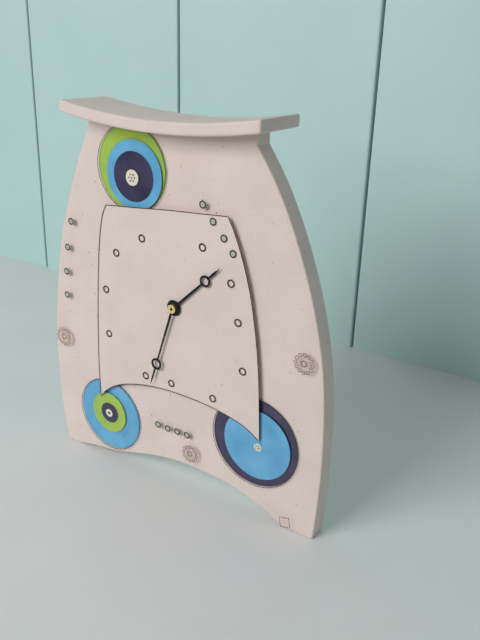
1:33
